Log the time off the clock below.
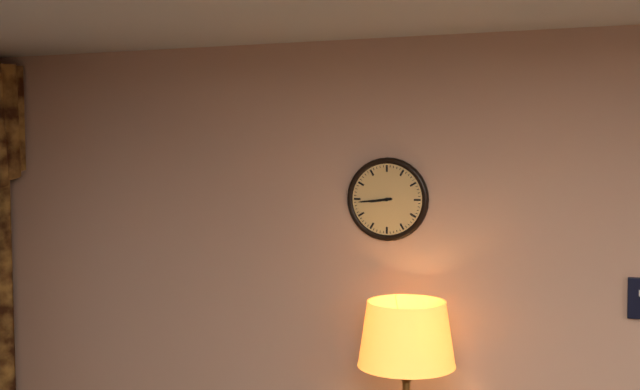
8:44
